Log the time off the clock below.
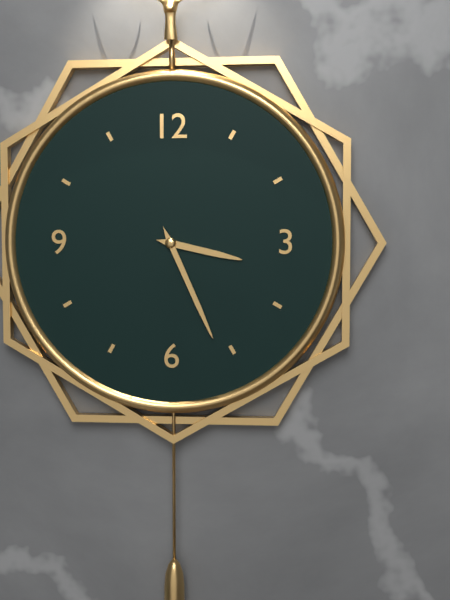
3:26
